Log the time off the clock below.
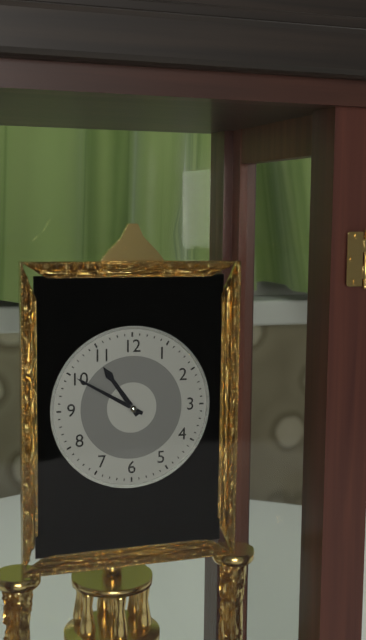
10:50
